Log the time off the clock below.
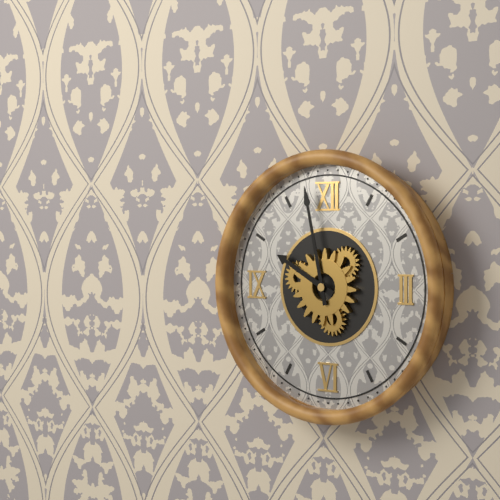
9:58
